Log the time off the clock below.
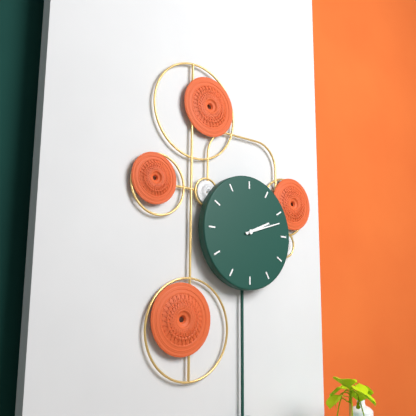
2:12
